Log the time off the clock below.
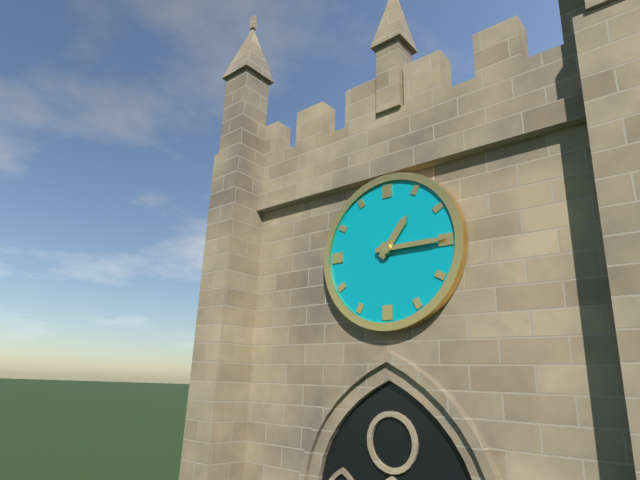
1:15
